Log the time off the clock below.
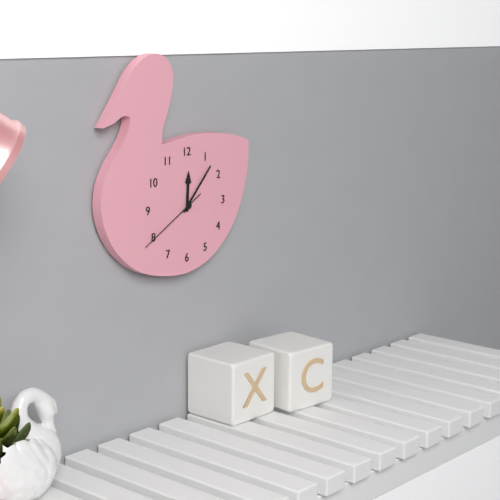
12:07:40
